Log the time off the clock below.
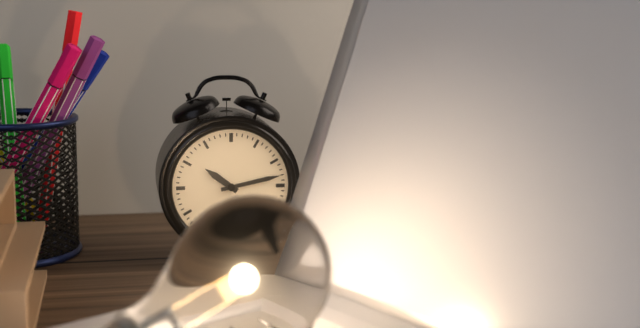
10:13
